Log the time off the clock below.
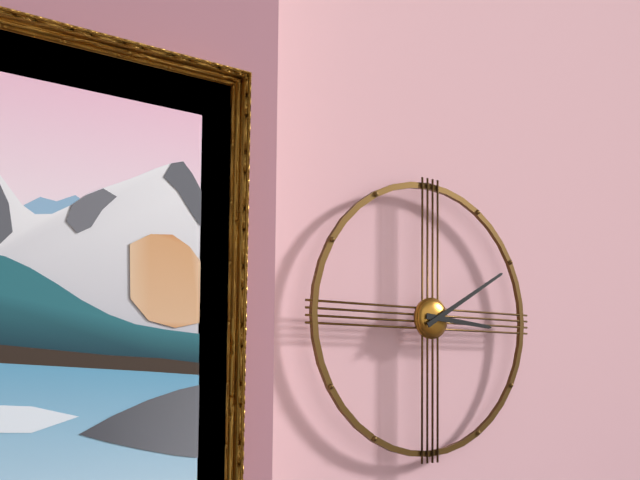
3:10
